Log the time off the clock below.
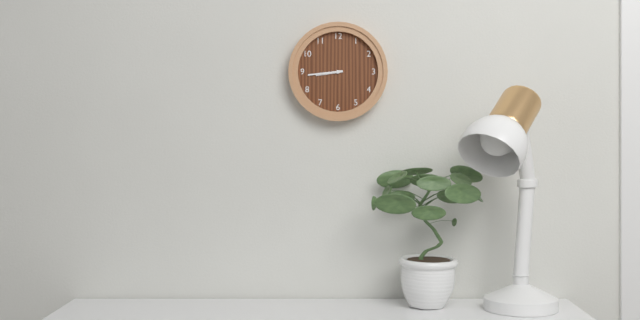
8:44
